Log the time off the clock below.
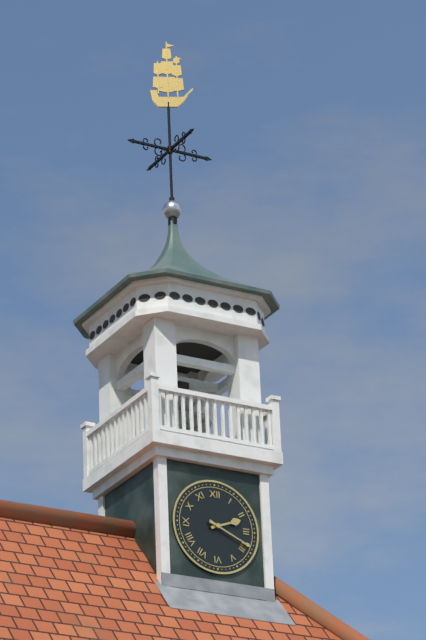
2:19
